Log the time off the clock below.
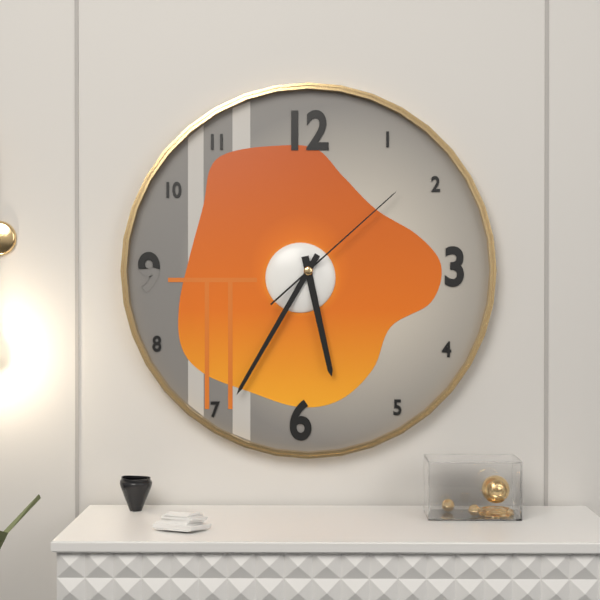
5:35:08
